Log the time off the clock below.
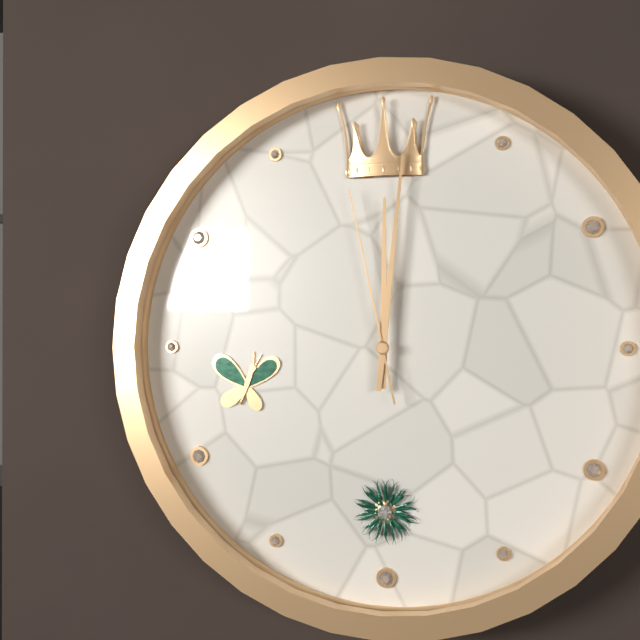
12:01:58
